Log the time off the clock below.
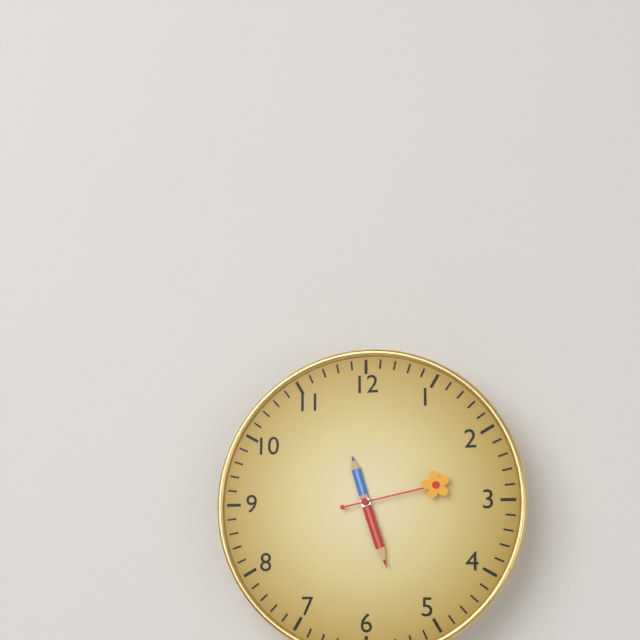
11:27:13
